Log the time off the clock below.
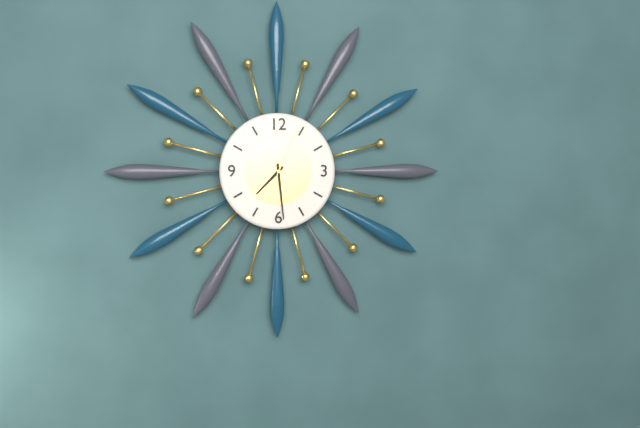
7:29:04
